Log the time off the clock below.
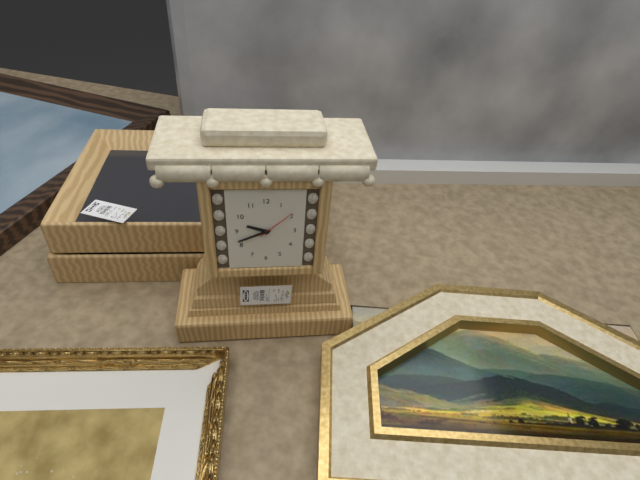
9:41
